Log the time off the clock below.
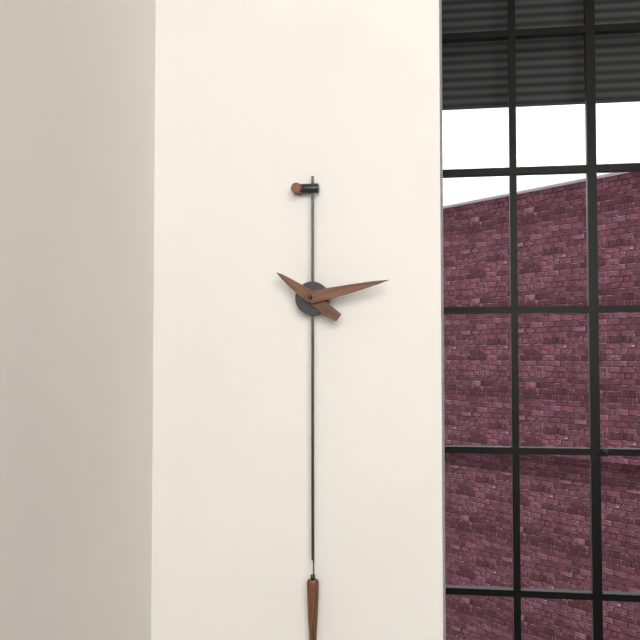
10:13
